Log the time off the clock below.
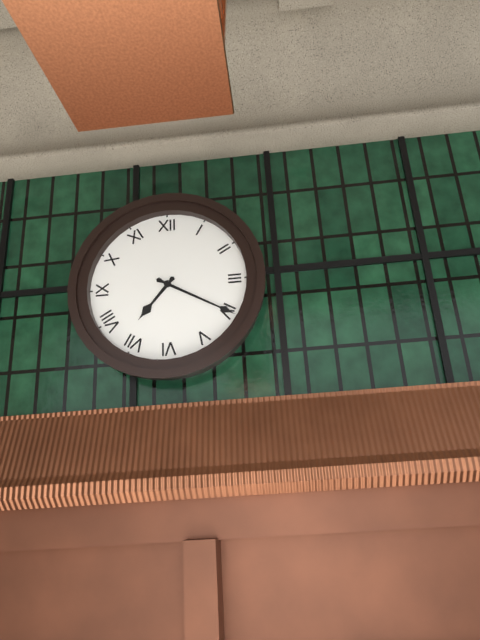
7:20
